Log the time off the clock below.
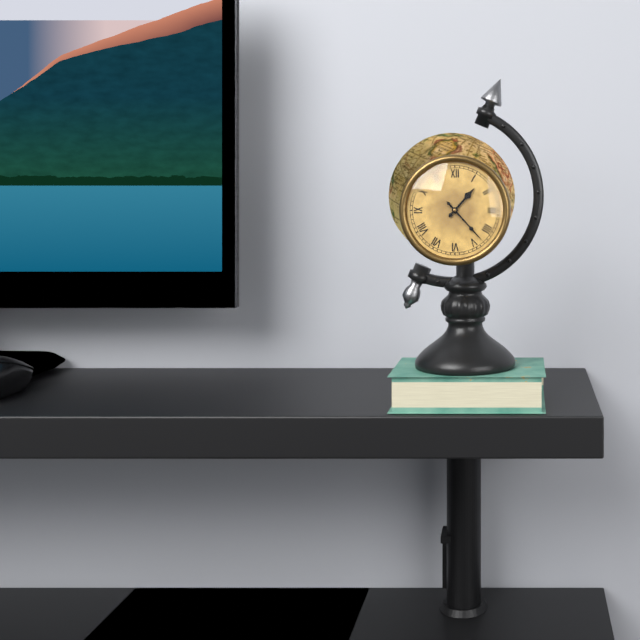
1:23
